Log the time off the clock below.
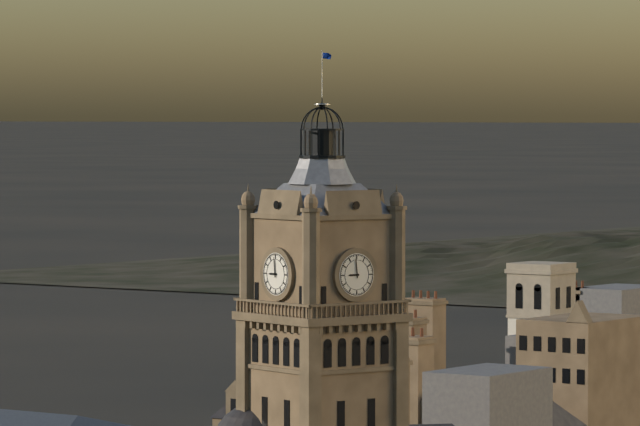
8:59
